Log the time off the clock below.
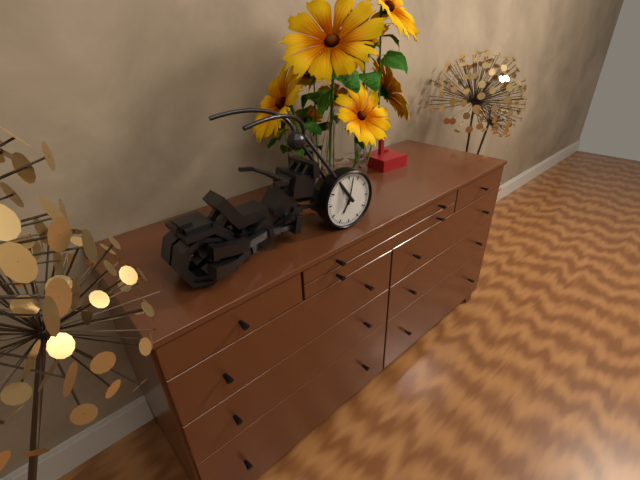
7:02
